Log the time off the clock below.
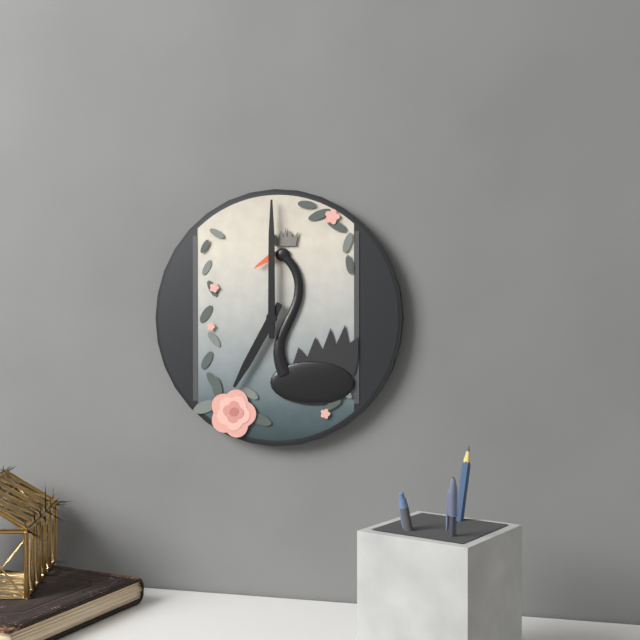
7:00
